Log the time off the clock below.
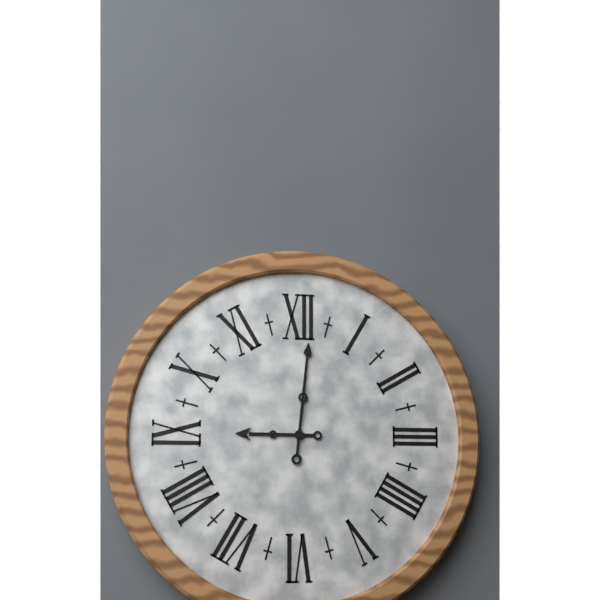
9:01
